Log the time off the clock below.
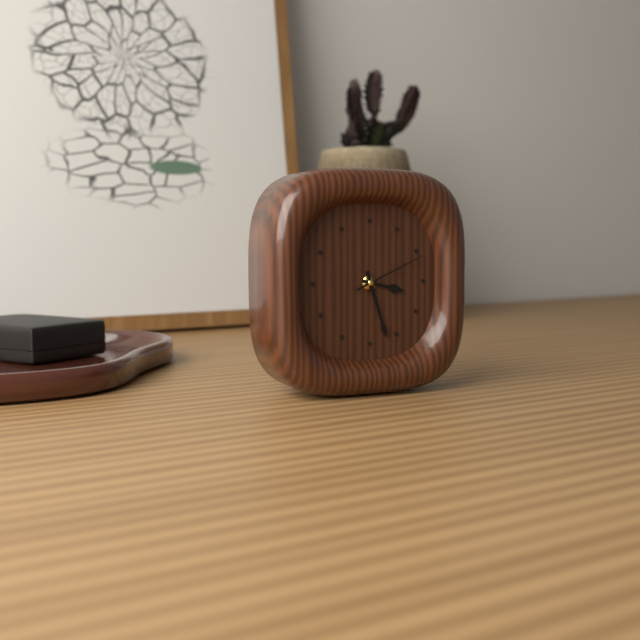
3:27:11
